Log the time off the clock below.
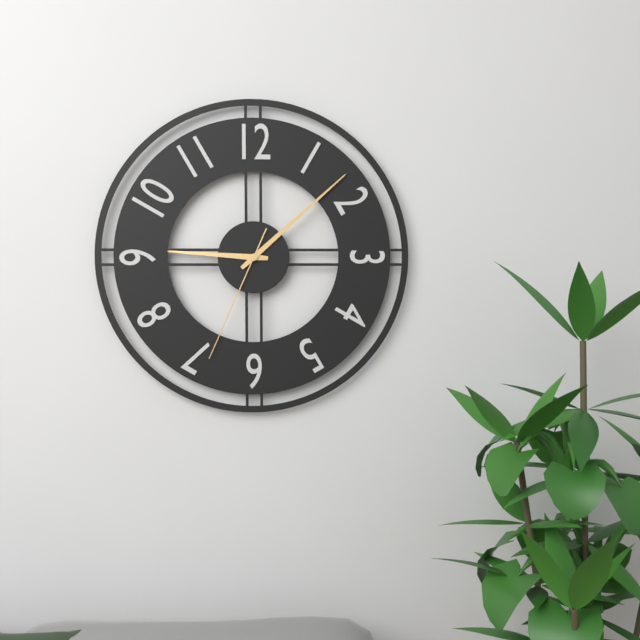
9:08:34
